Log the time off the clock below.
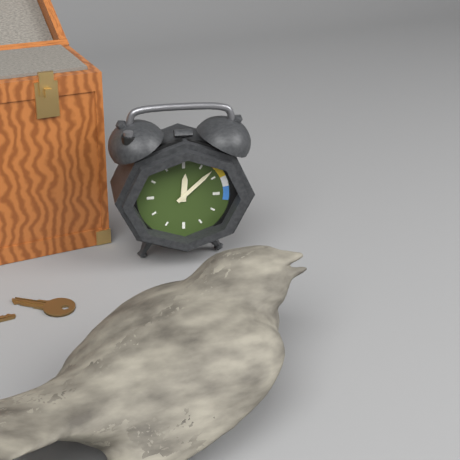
12:08
